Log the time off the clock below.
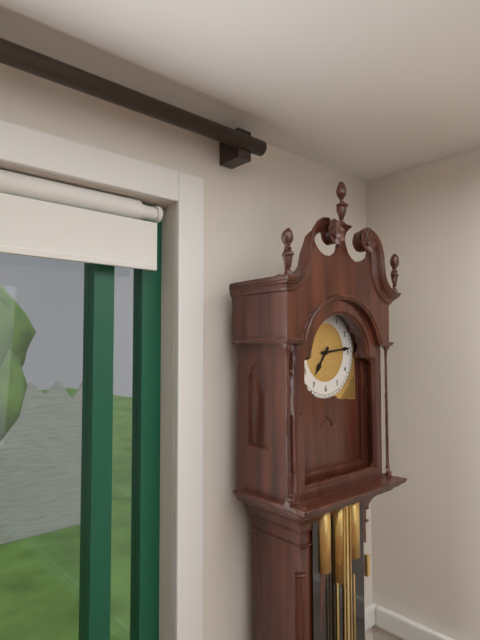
7:14
